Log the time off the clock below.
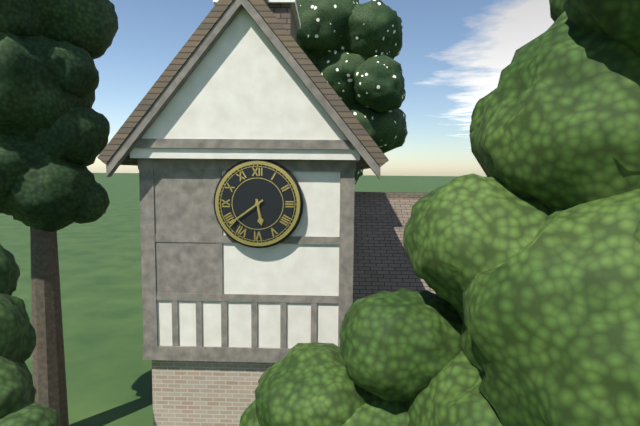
5:39
